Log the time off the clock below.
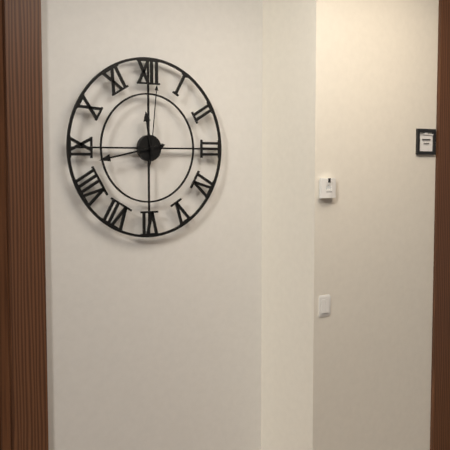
11:43:01
